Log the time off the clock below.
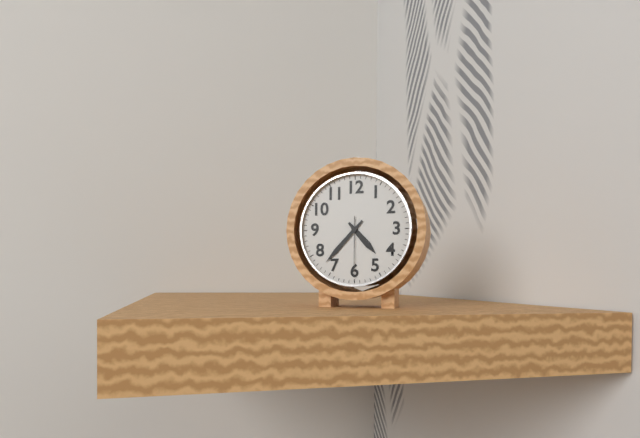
4:37:30
